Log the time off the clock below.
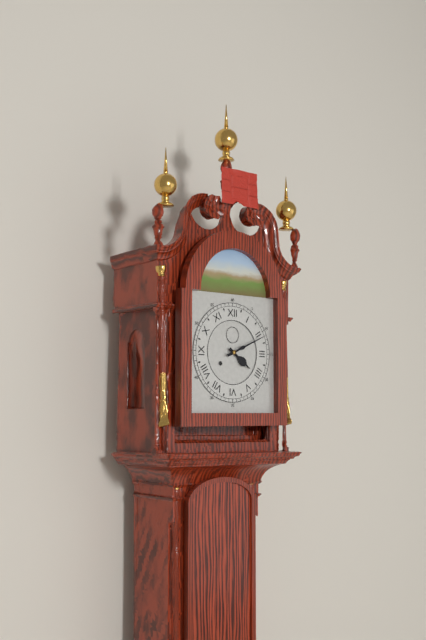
4:11
